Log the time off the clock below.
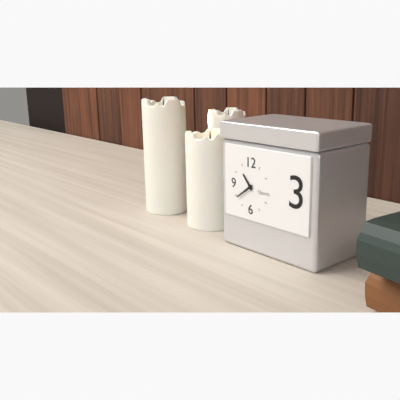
10:39
